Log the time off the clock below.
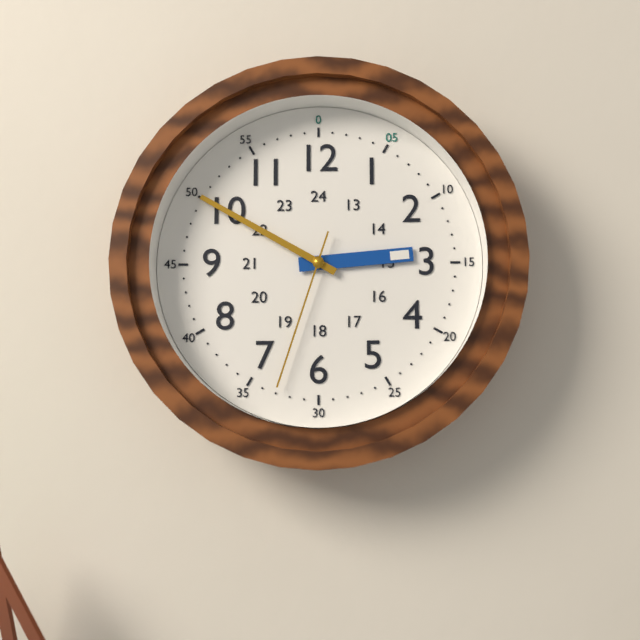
2:50:33
